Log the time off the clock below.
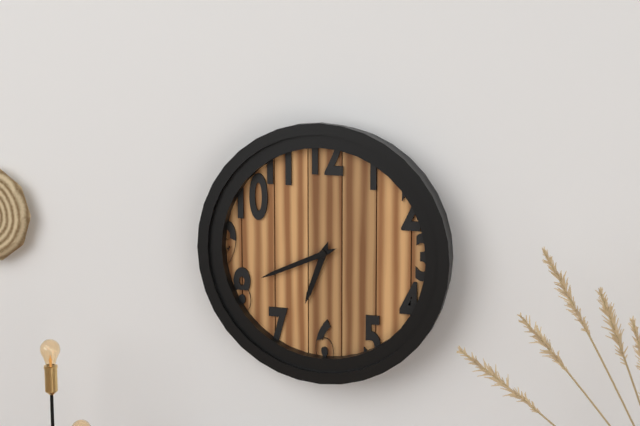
6:41
